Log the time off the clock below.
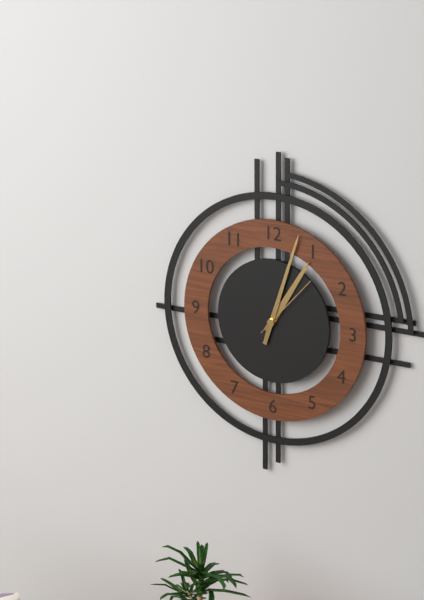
1:03:07
